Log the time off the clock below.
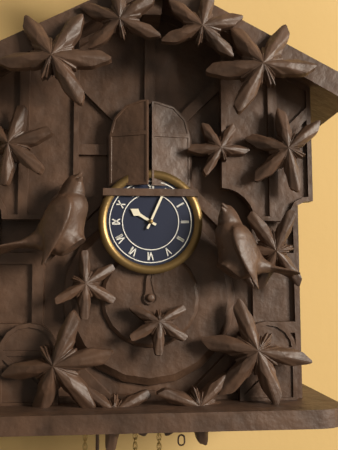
10:04
